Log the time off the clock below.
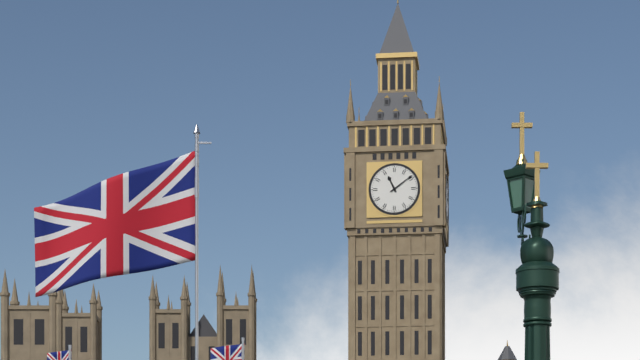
11:09
